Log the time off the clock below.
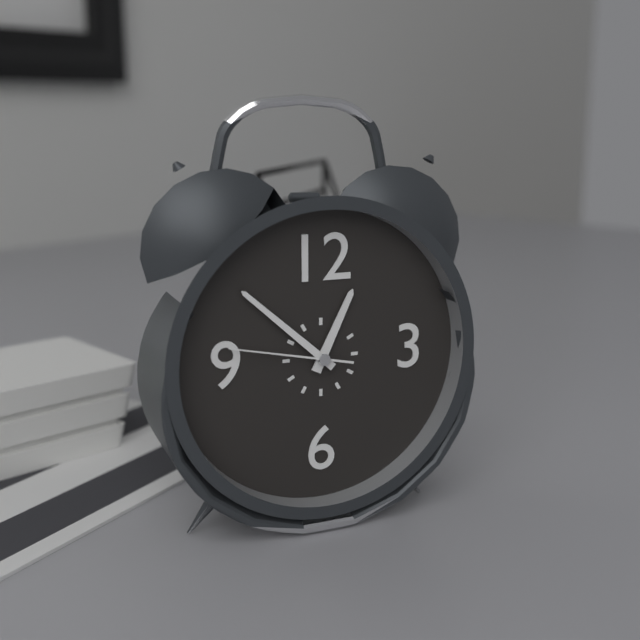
12:52:47
